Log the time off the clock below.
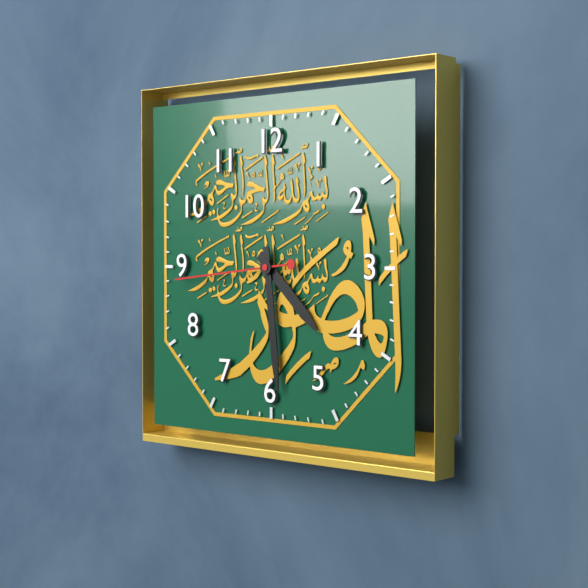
4:29:44
